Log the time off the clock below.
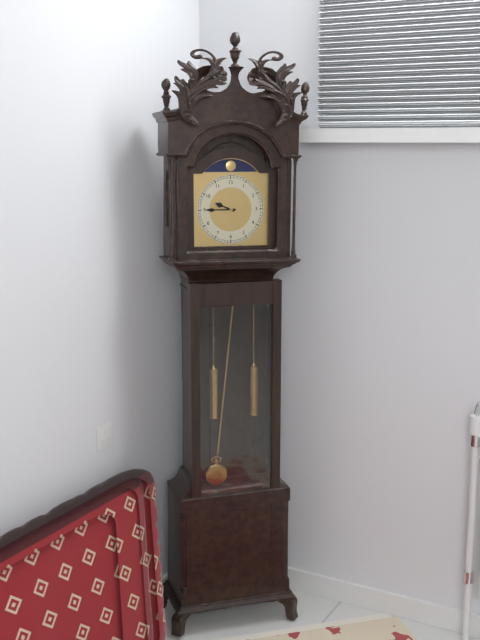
9:45
